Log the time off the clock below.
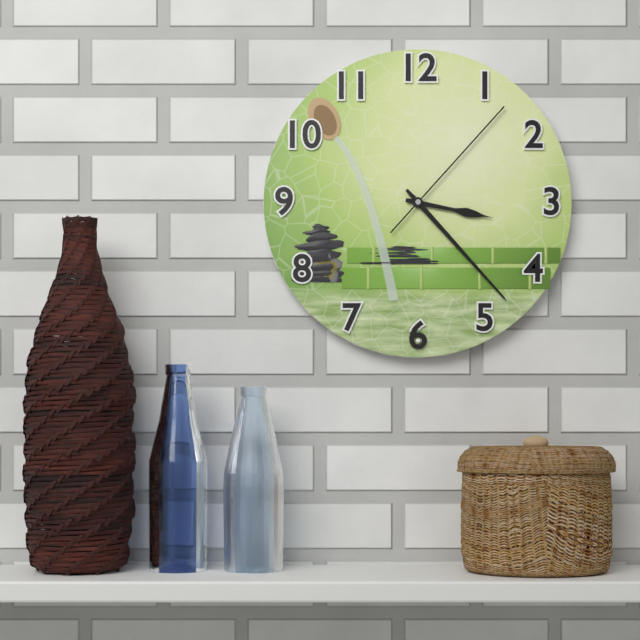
3:23:07
